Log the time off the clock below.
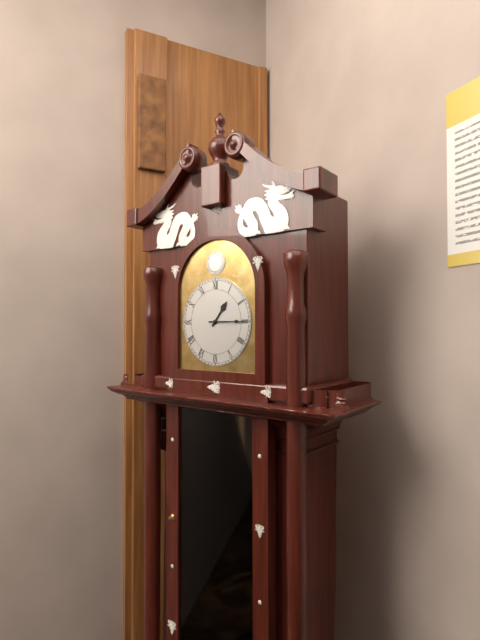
1:15
